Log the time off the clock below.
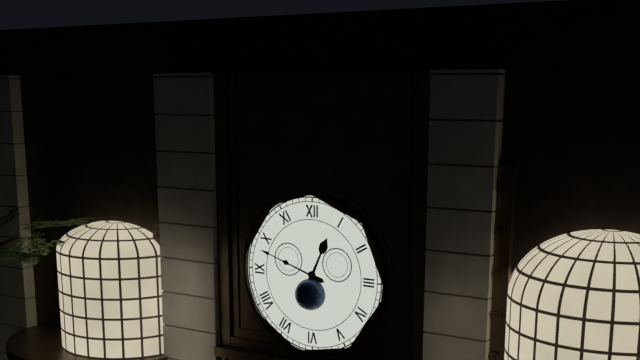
12:48
